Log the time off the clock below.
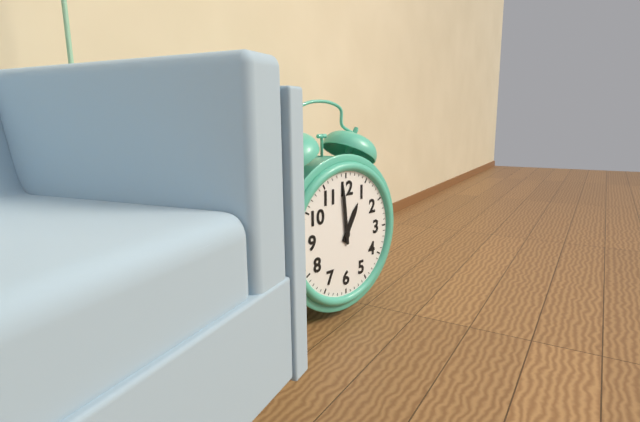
12:59
